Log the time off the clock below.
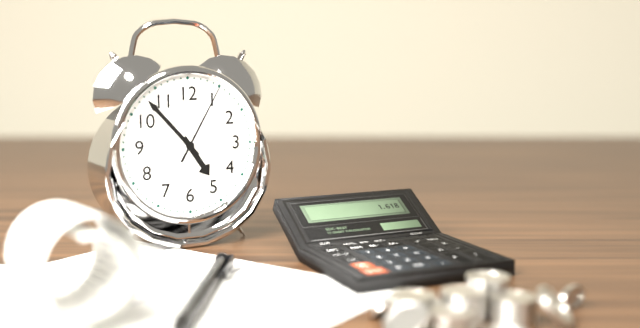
4:53:05
